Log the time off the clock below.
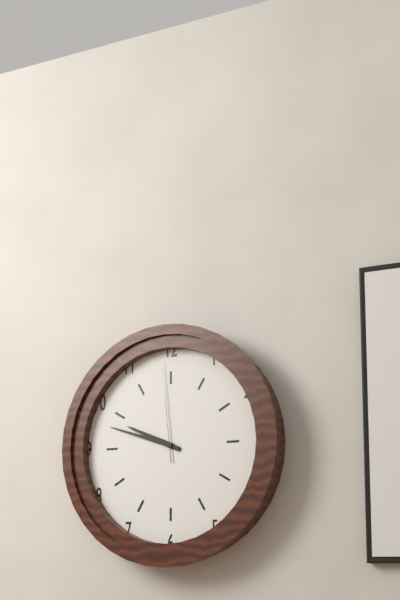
9:48:59
